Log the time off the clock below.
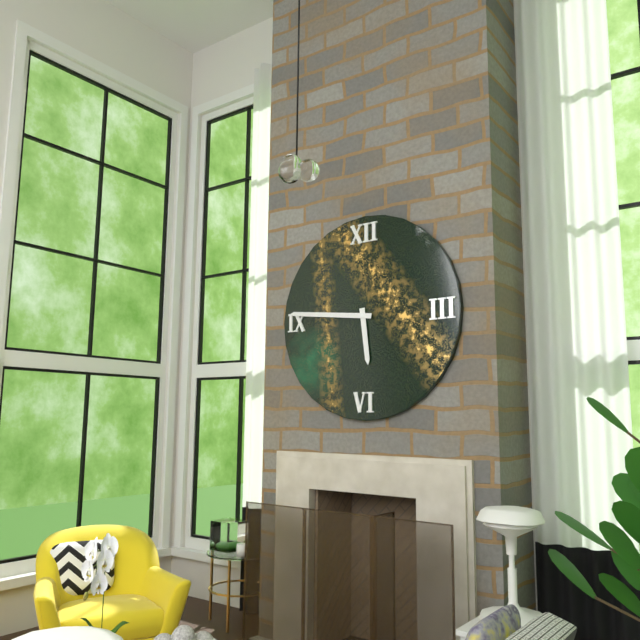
5:46
